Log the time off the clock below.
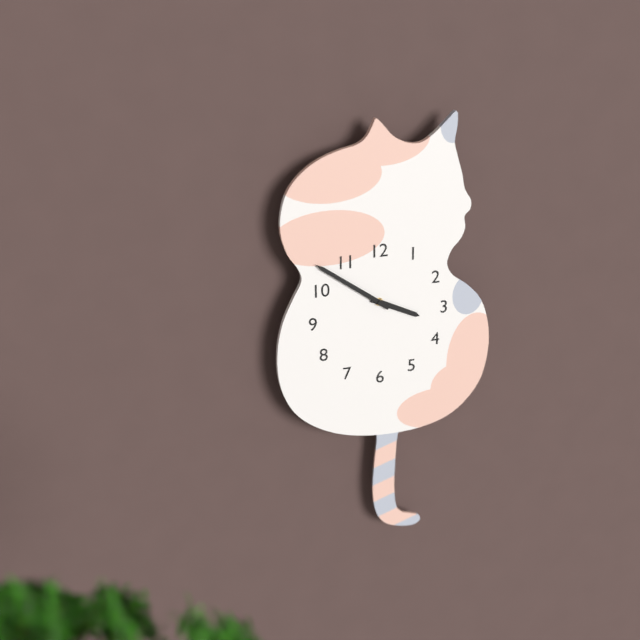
3:51
